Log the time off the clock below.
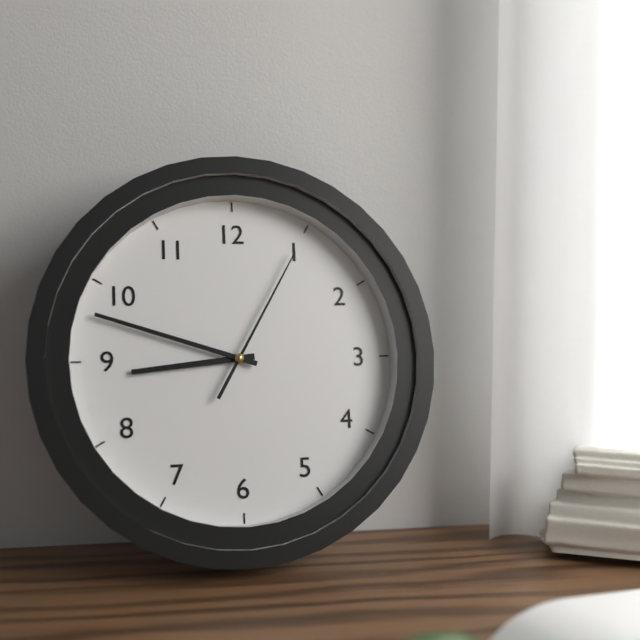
8:48:05
